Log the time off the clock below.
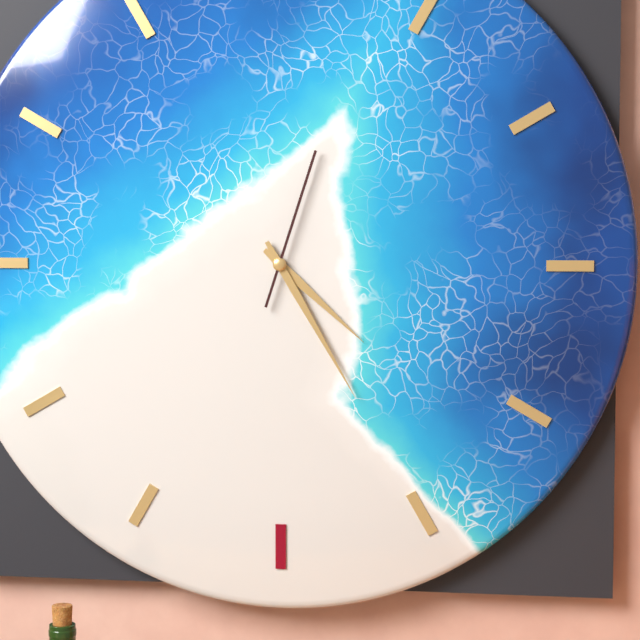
4:25:03
